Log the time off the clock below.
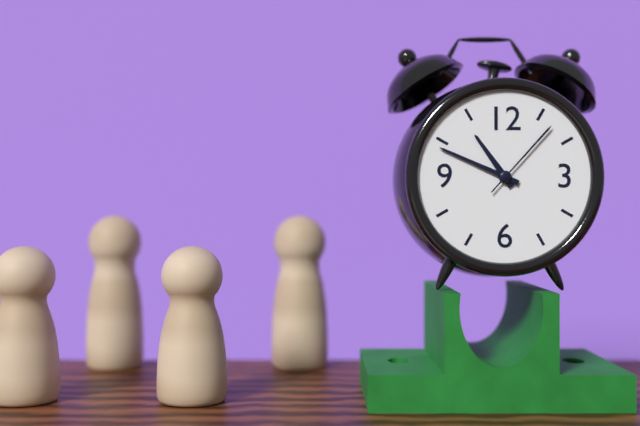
10:49:07
